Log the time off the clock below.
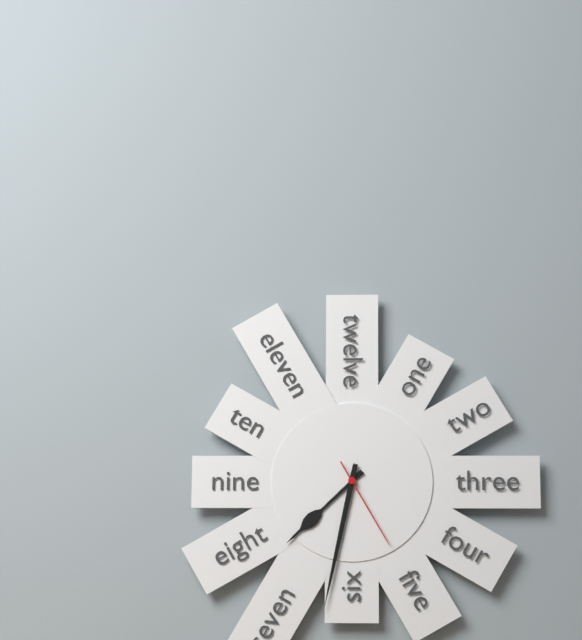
7:32:25
